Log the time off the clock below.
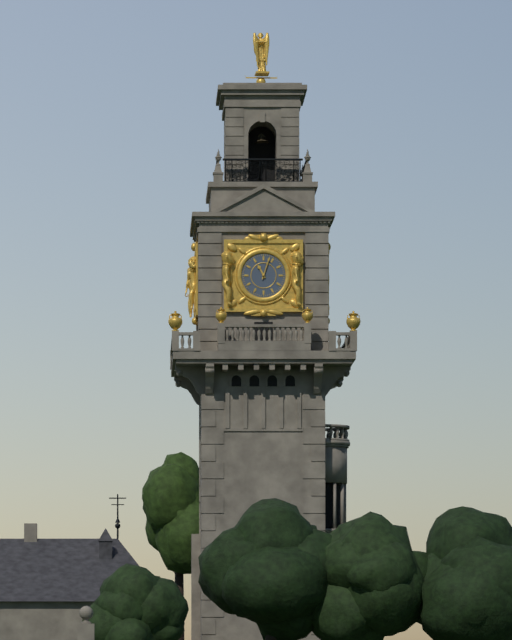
11:03
